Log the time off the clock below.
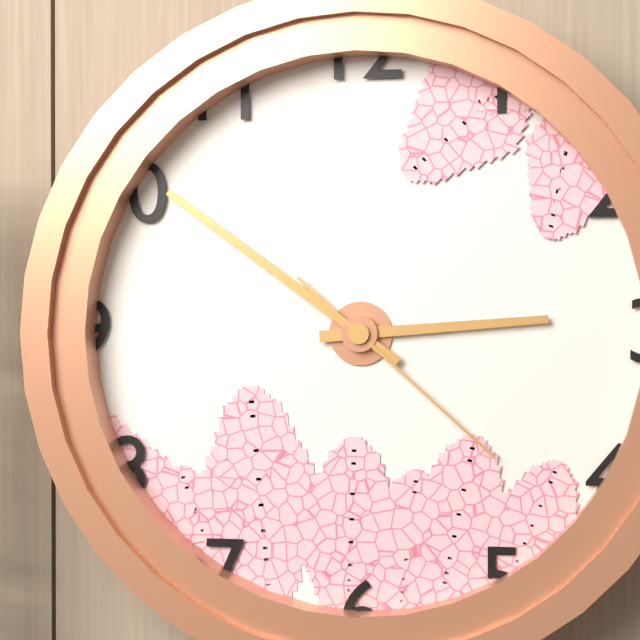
2:51:22
